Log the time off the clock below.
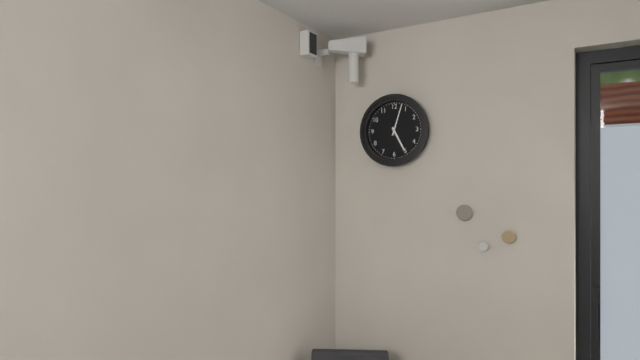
5:03
